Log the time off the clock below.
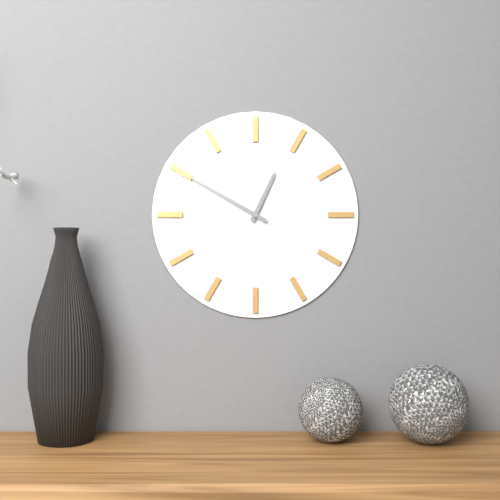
12:50
